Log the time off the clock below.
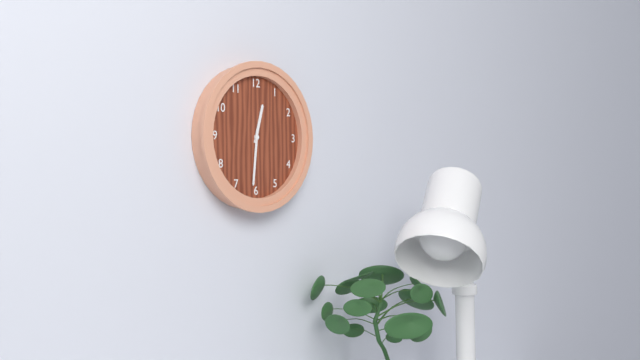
12:31
